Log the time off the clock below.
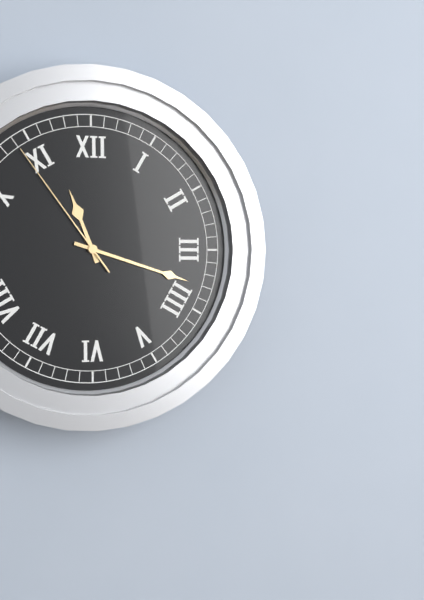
11:18:54
